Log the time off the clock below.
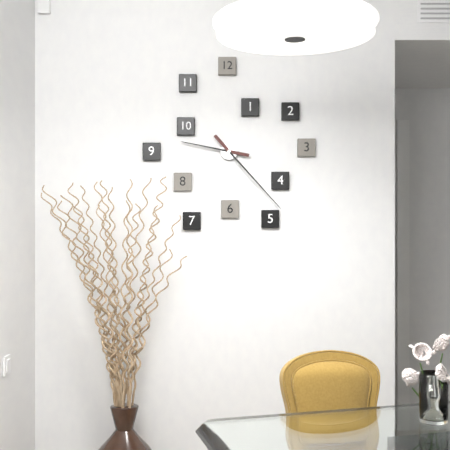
9:23
